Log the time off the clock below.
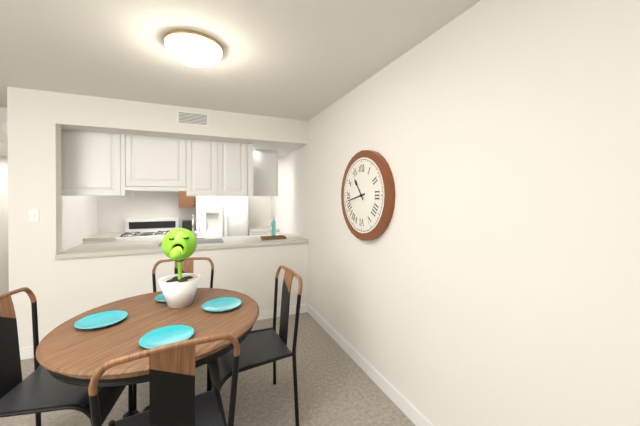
10:43
